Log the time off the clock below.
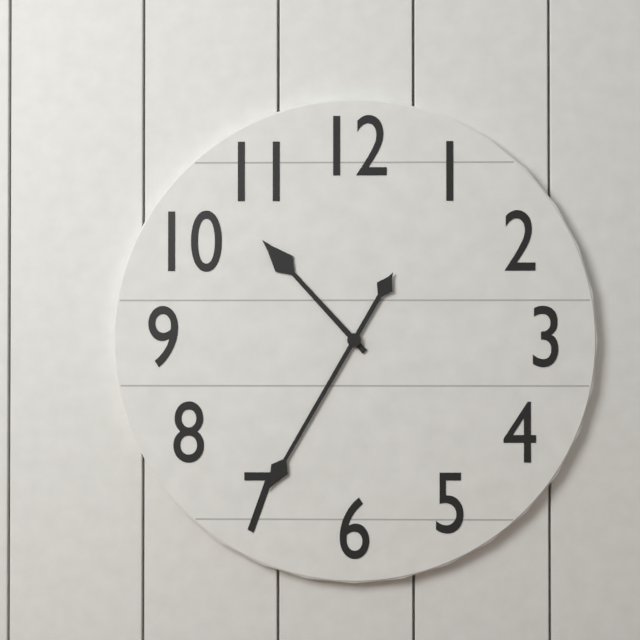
10:35
